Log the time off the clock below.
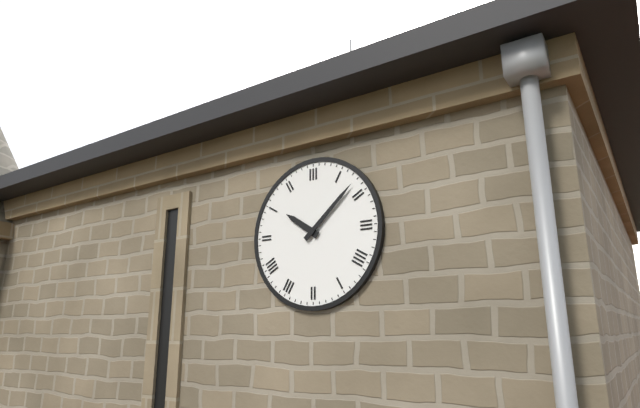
10:08
